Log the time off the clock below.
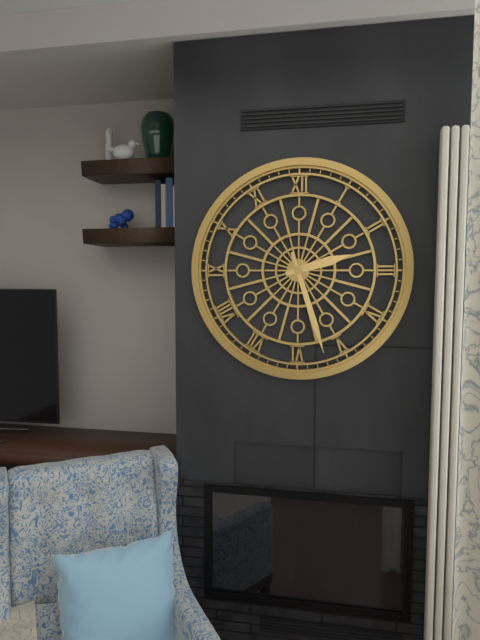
2:27
